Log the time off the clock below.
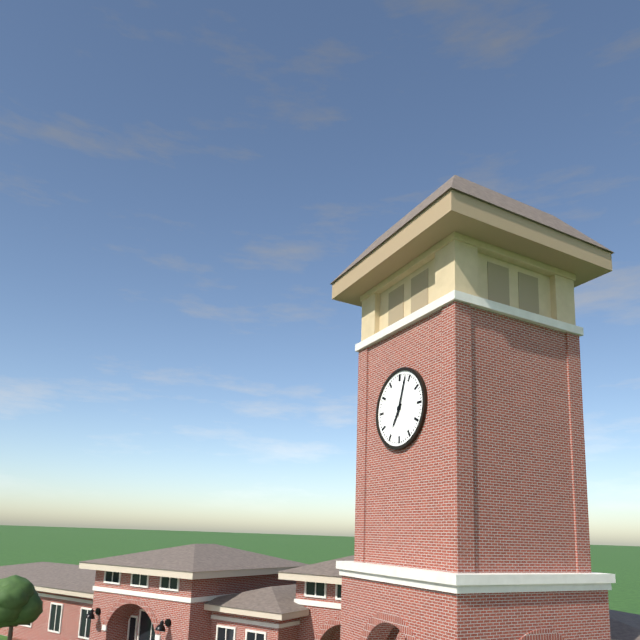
7:03
